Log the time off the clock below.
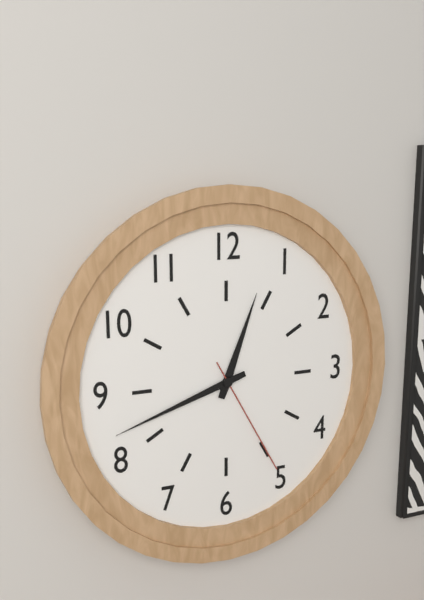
12:42:25
